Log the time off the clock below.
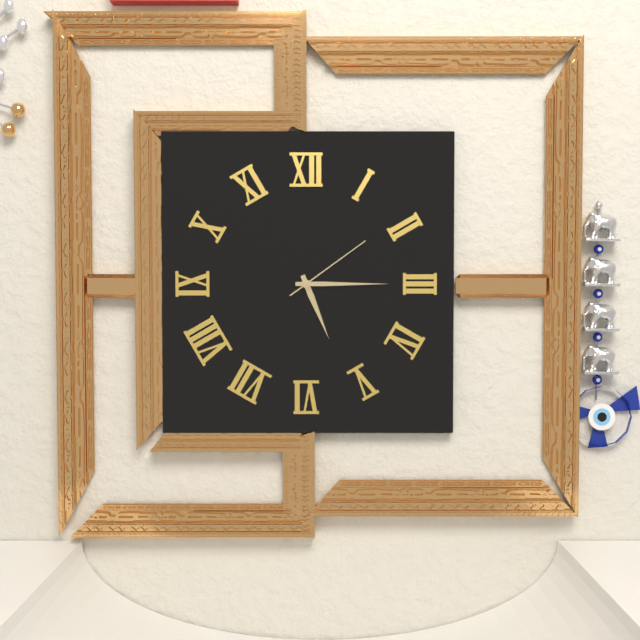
5:15:09
